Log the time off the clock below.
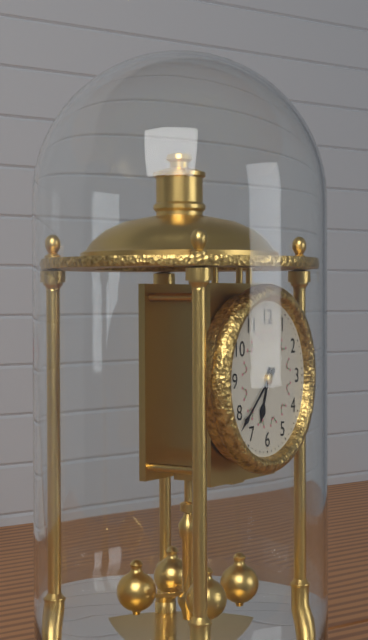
6:38
